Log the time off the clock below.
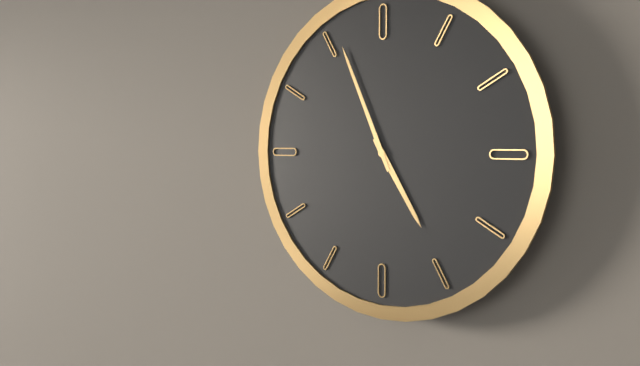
4:56
